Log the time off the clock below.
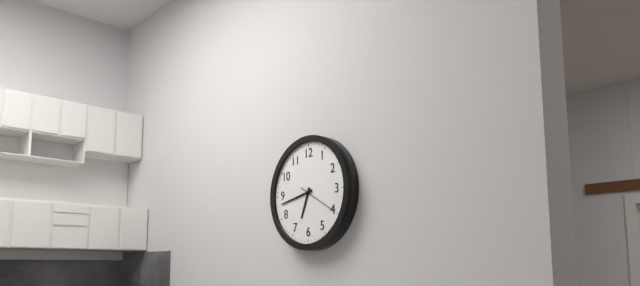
6:43
